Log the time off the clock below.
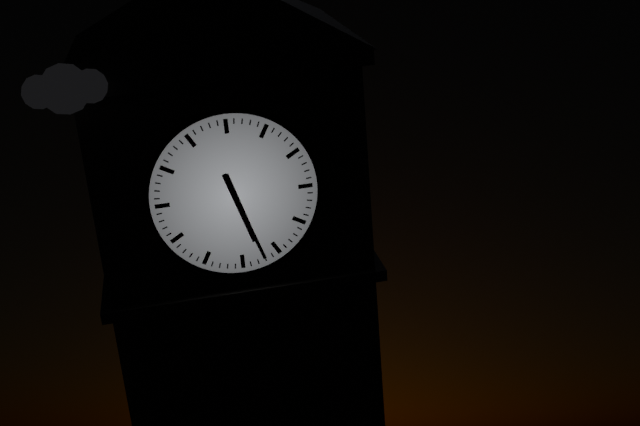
5:27
